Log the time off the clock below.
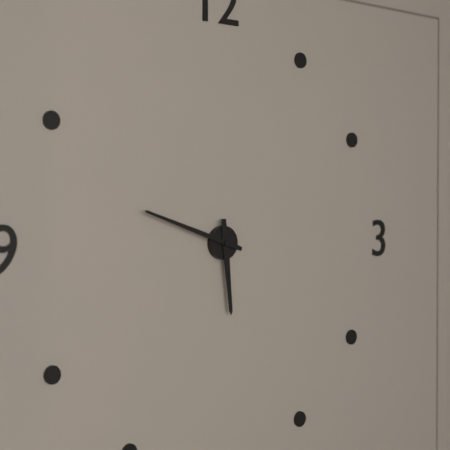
5:48
